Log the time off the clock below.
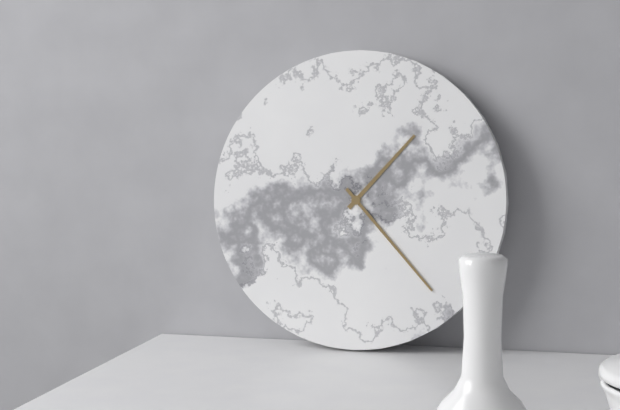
1:23
